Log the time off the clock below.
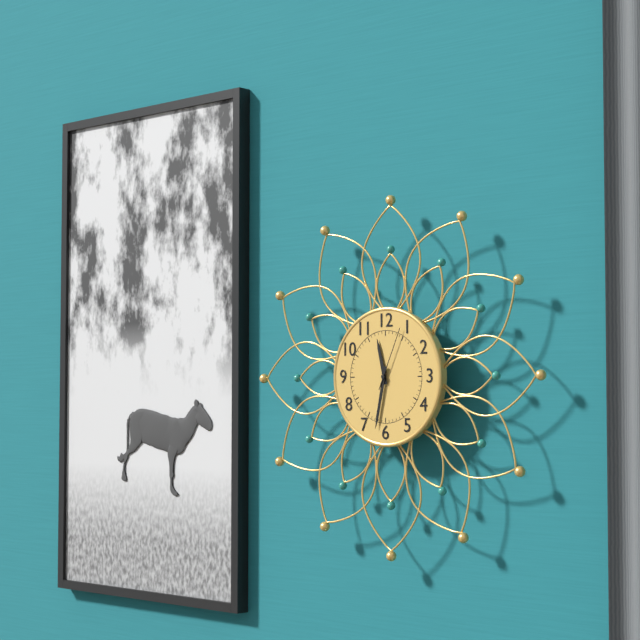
11:32:04
